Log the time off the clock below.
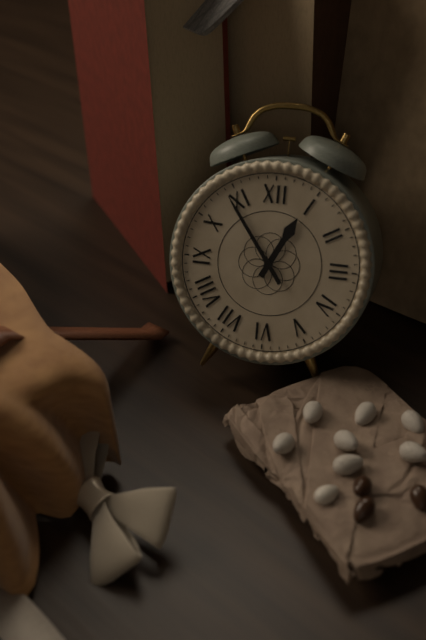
12:54
